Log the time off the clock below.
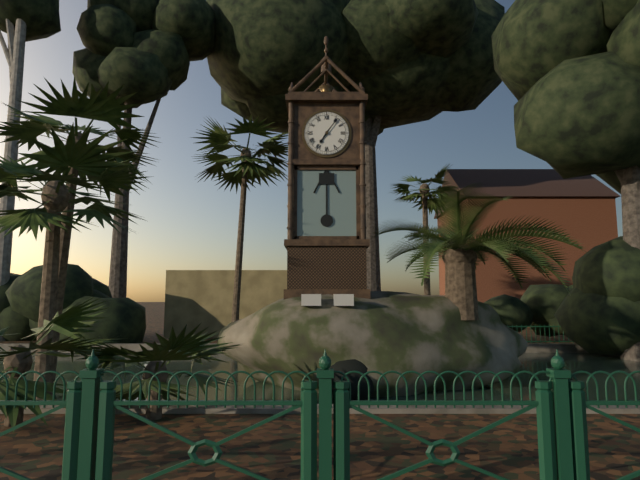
7:06
